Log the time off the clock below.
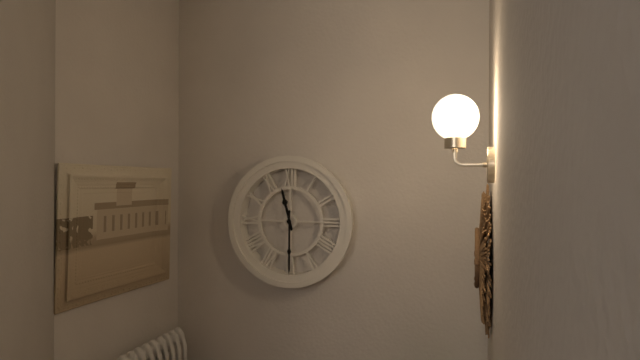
11:30
